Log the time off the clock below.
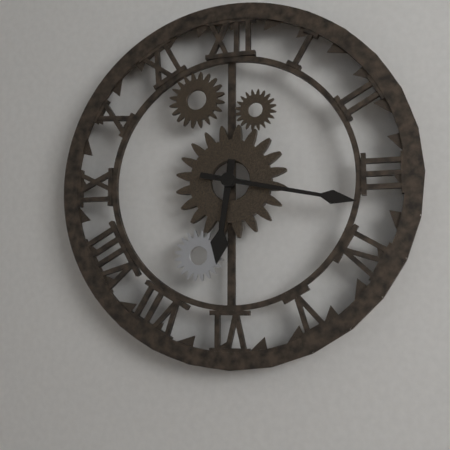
6:17
